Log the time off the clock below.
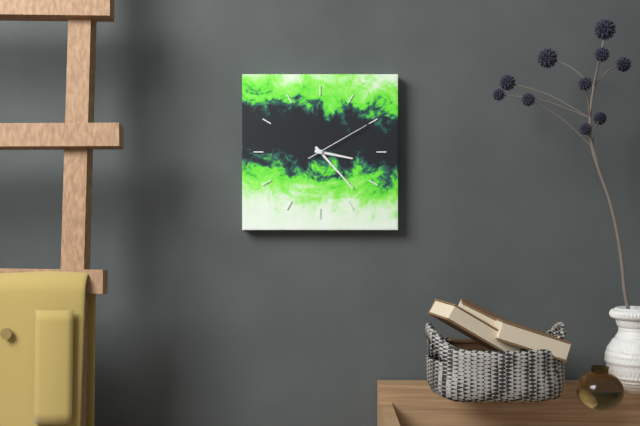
3:23:10
